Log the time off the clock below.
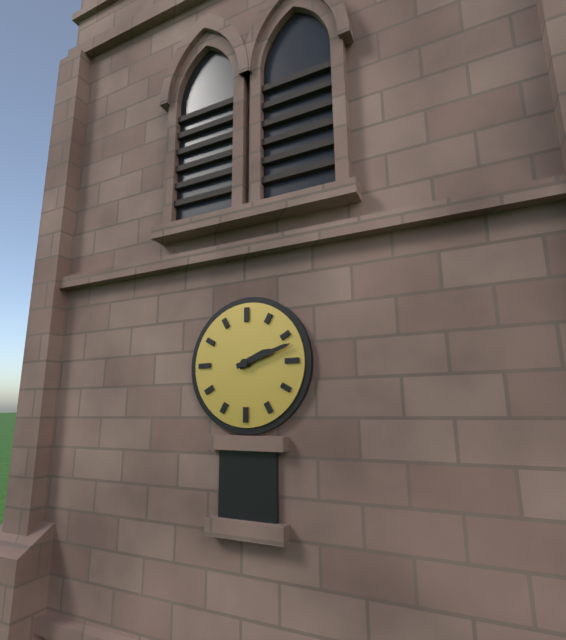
2:12
